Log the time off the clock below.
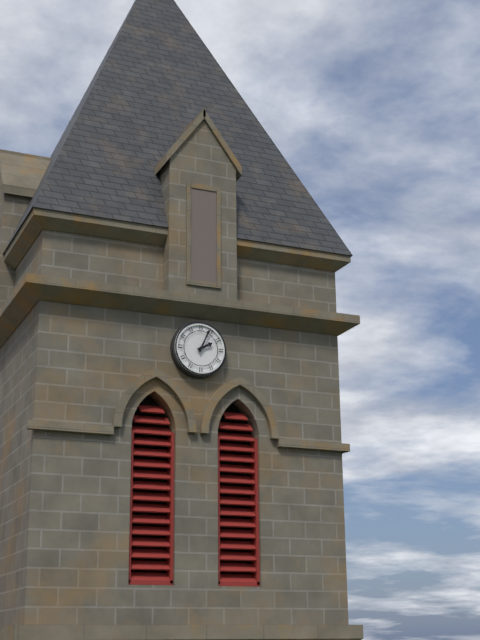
2:04
